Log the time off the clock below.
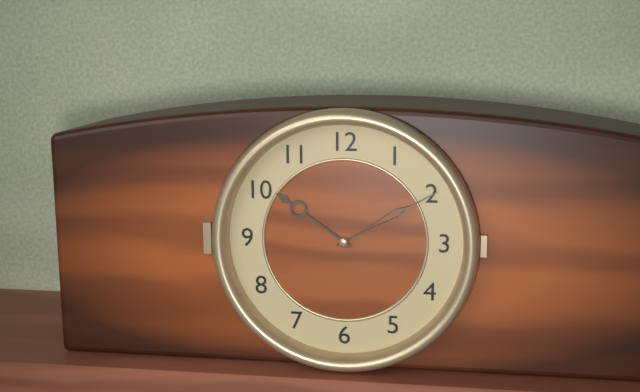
10:10
